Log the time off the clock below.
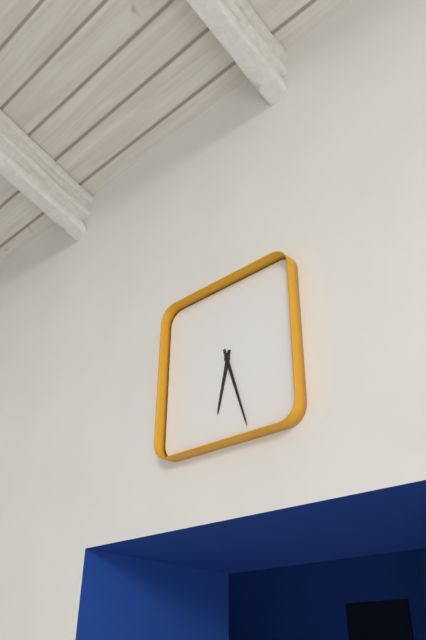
6:27
